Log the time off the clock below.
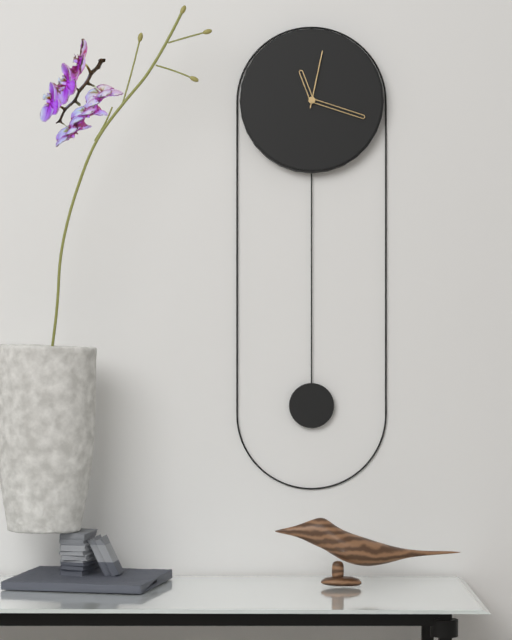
11:18:02
